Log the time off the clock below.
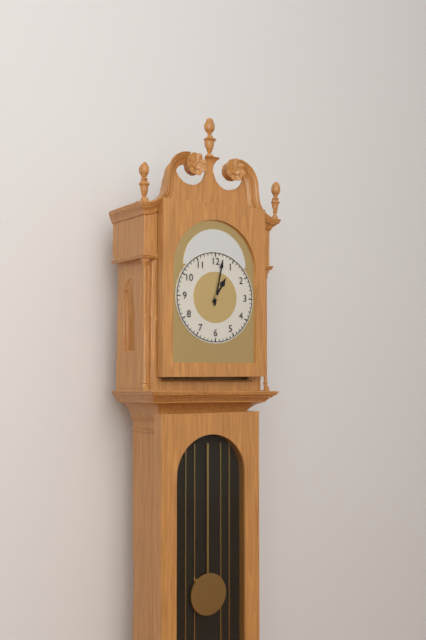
1:02
